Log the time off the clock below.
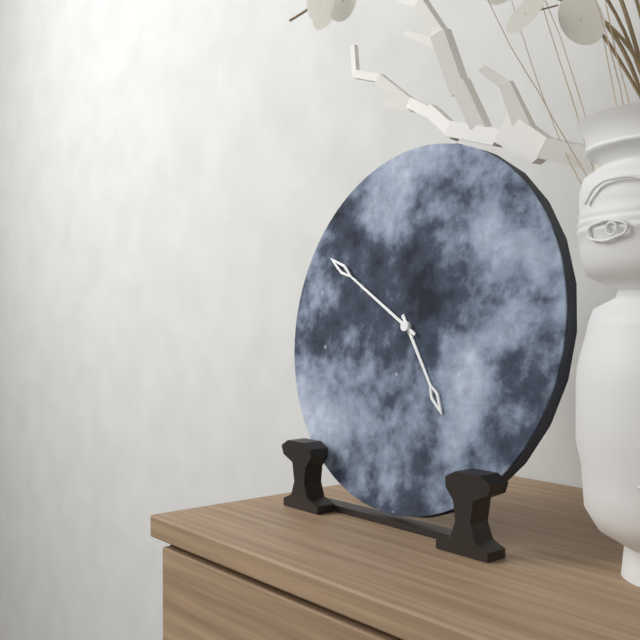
4:50
